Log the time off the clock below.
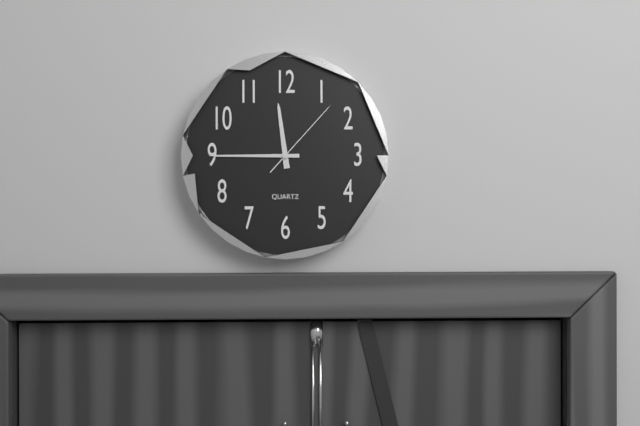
11:45:07
